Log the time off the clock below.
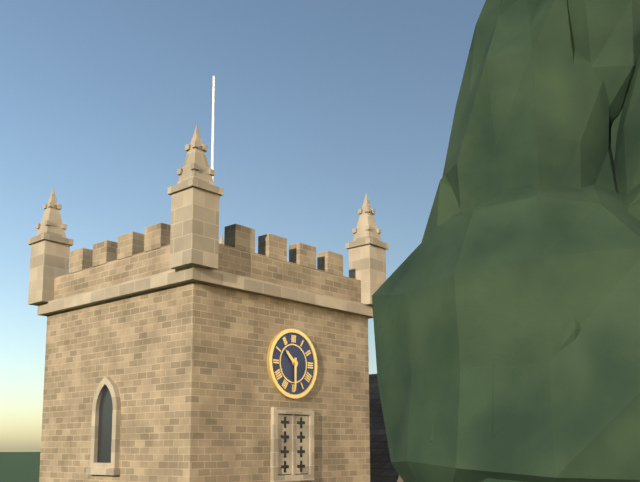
10:30
